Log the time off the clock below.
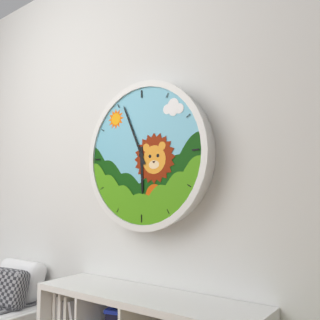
5:56
